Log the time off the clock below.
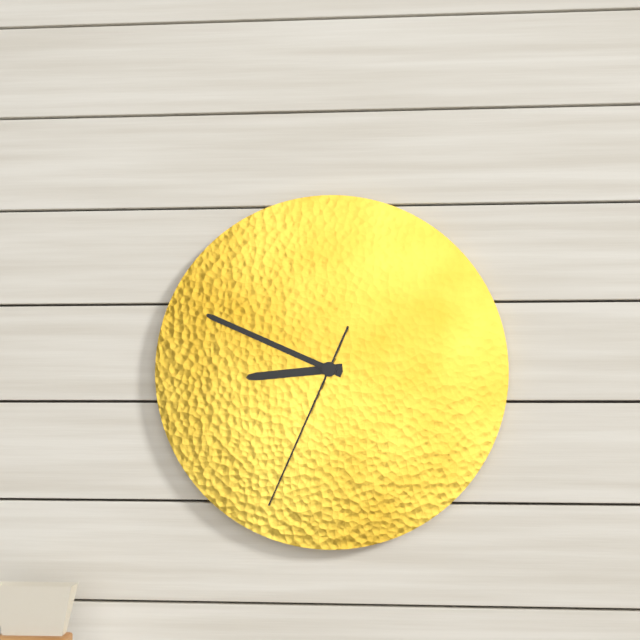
8:49:34
